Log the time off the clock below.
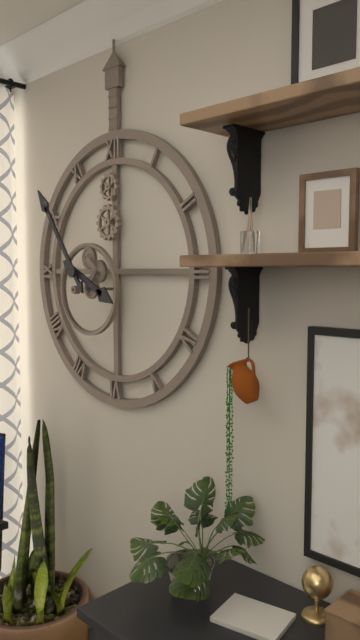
3:54
